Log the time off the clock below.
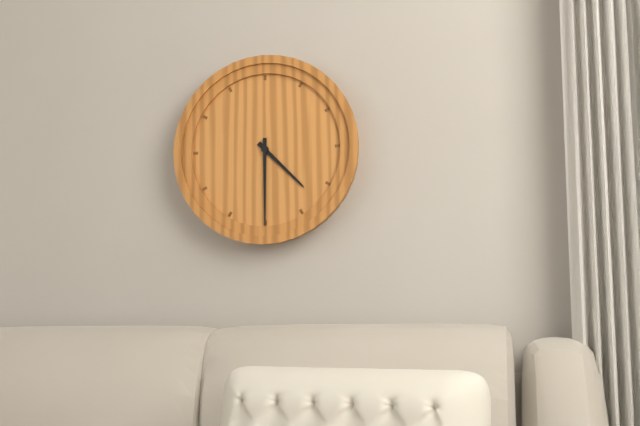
4:30
